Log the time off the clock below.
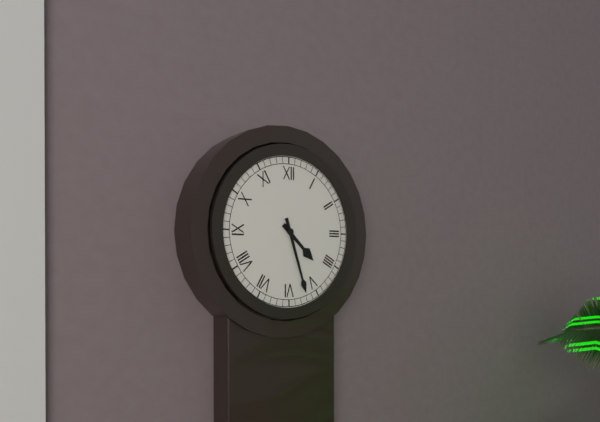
4:27
